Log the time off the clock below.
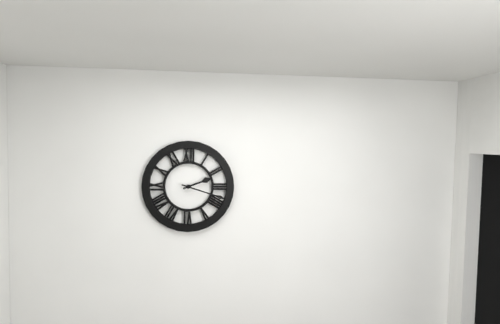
2:18
